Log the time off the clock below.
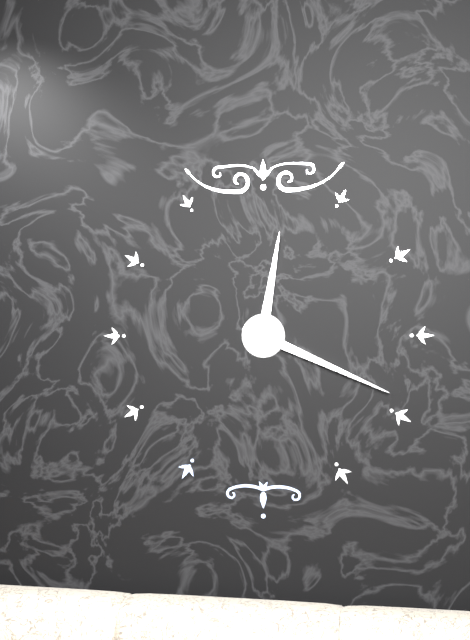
12:19
